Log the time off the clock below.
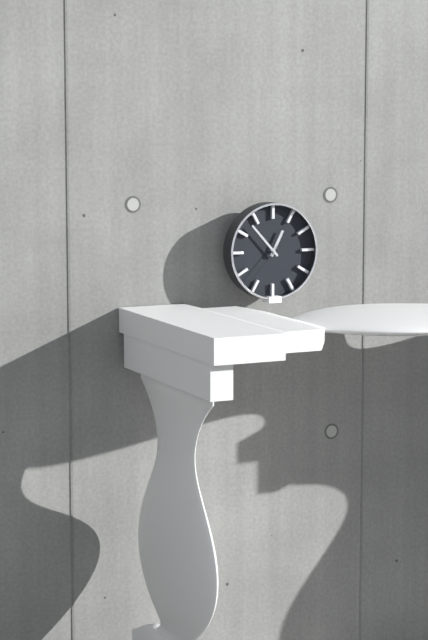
12:53
